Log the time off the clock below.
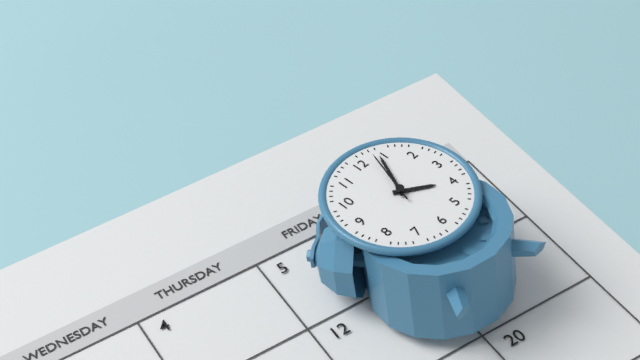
4:04:03
